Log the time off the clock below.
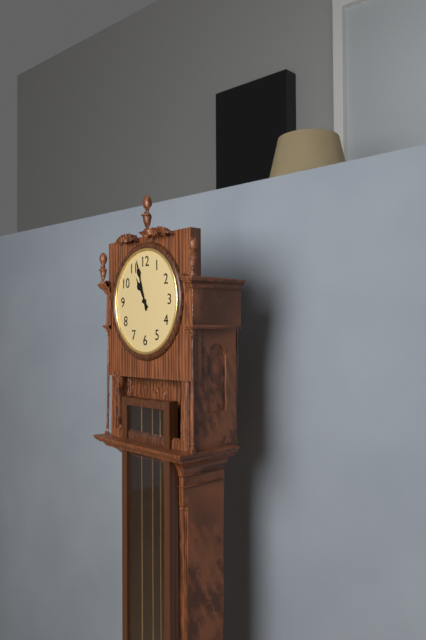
10:57
